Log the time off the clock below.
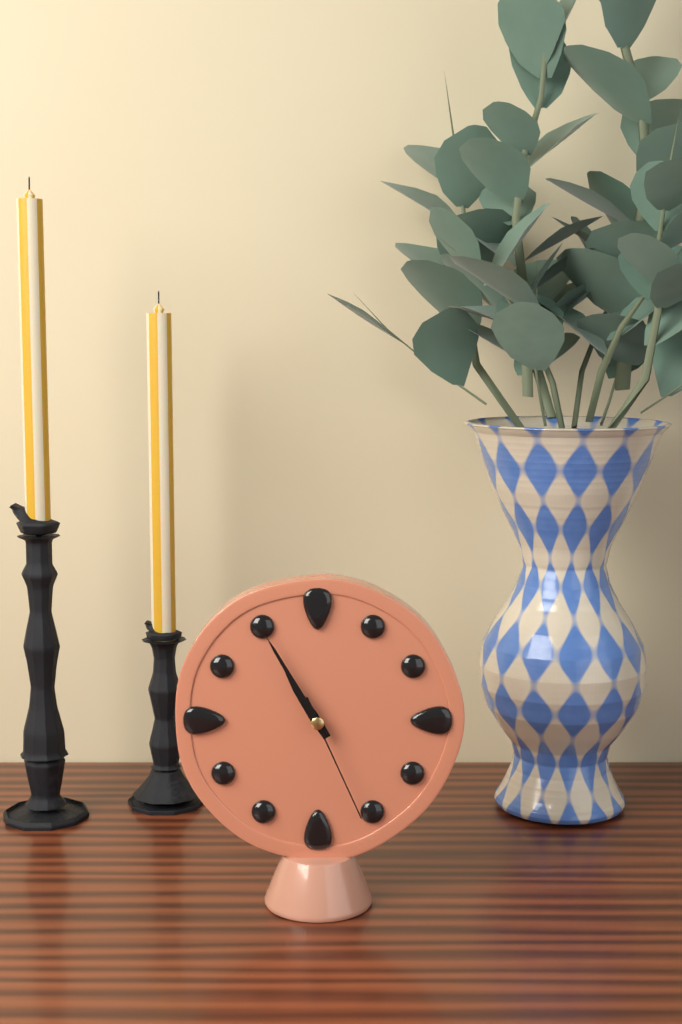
10:55:26
